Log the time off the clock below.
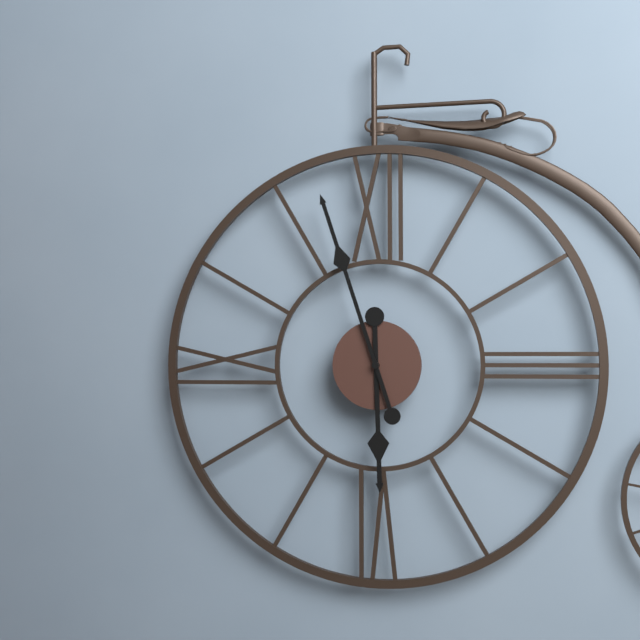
5:57
